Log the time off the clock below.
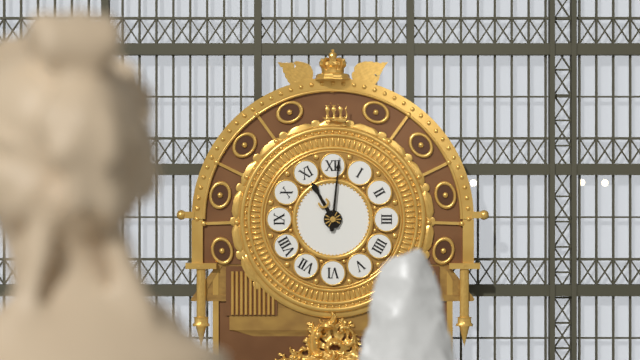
11:01
